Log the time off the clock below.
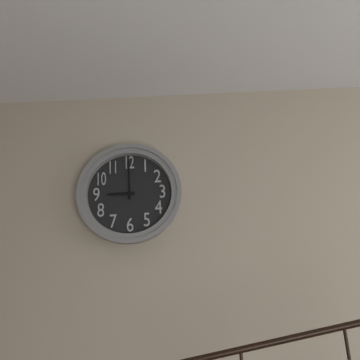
9:00
